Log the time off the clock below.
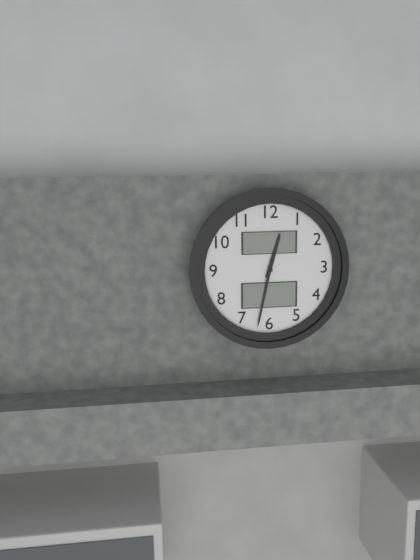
12:32
